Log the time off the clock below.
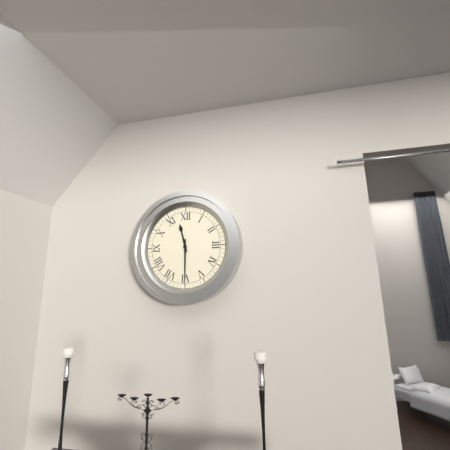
11:30
